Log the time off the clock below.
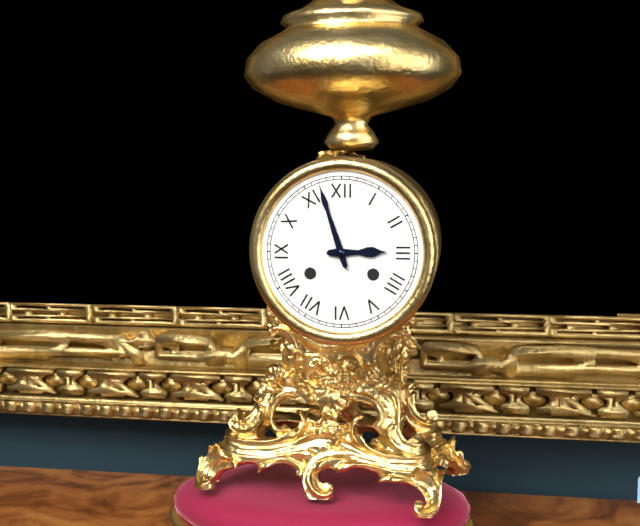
2:57
